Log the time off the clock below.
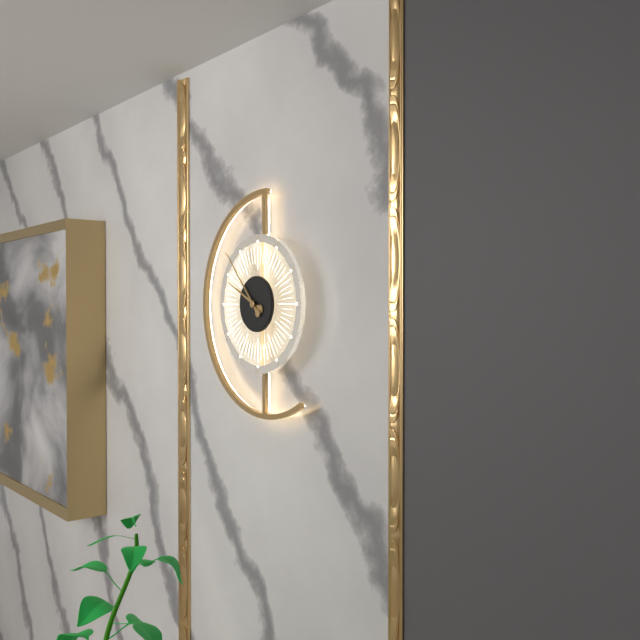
9:53
